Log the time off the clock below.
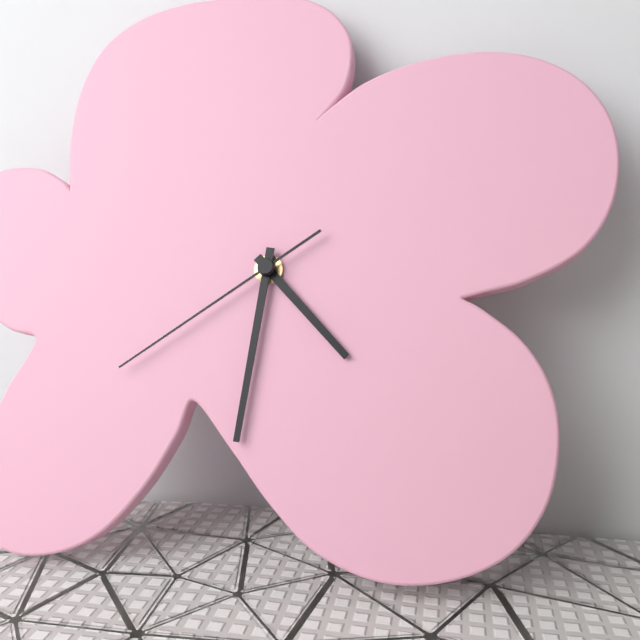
4:31:39
